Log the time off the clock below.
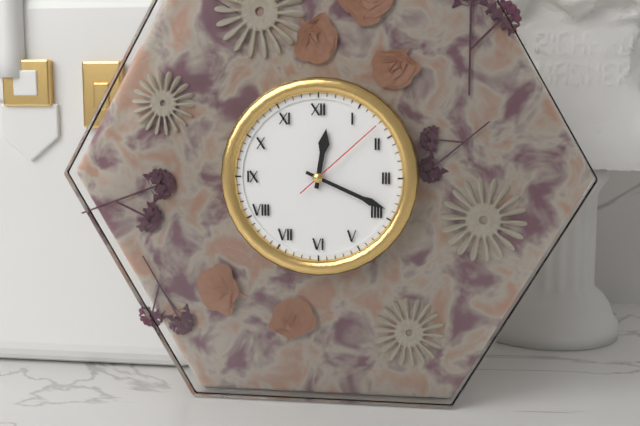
12:19:08
